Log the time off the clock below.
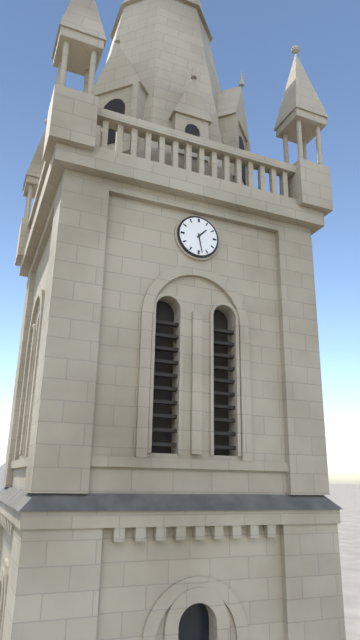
1:28
